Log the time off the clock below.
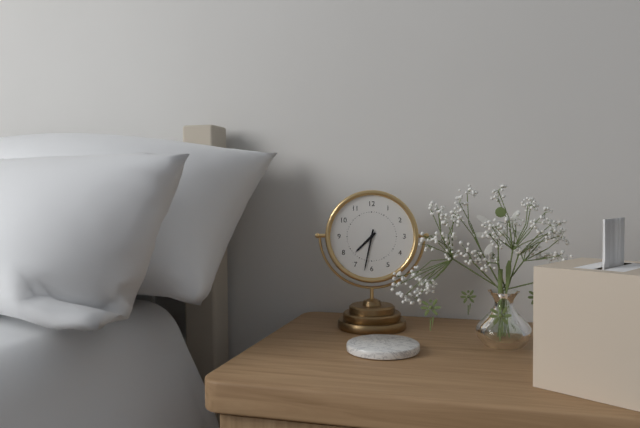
7:32
